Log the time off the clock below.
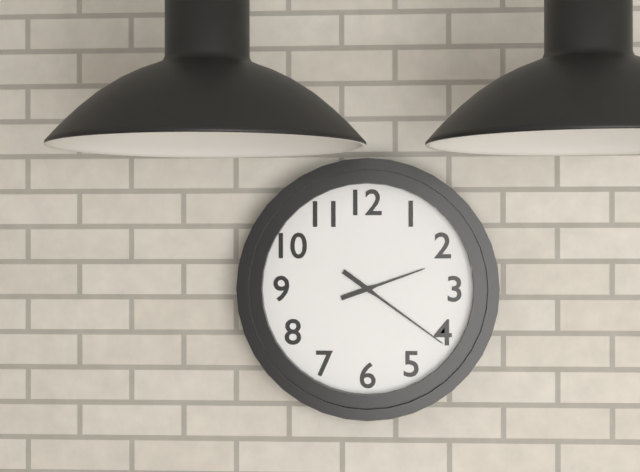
2:21
